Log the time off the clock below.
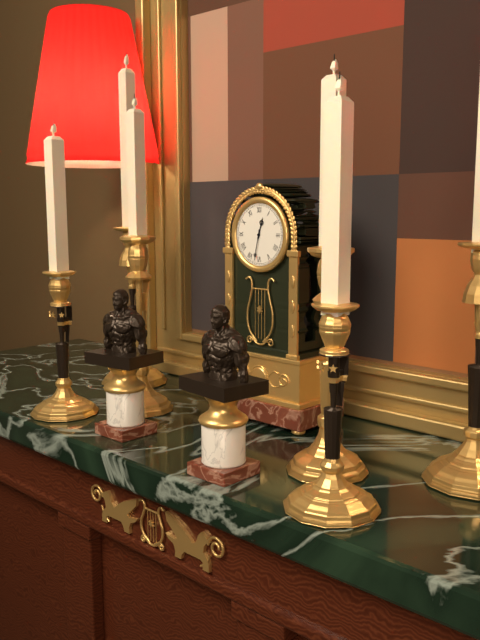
12:32
